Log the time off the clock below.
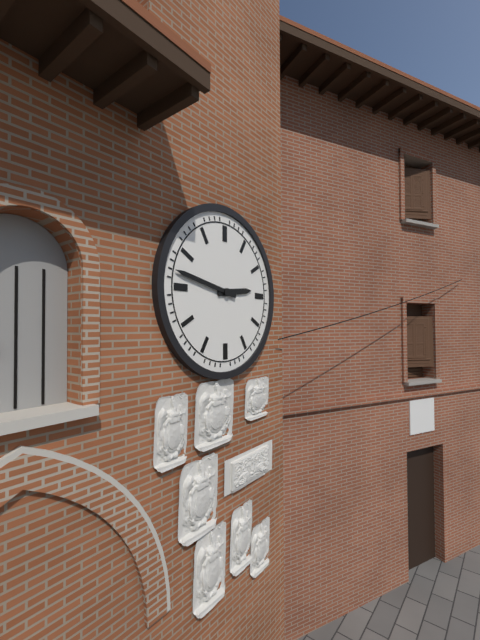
2:47
